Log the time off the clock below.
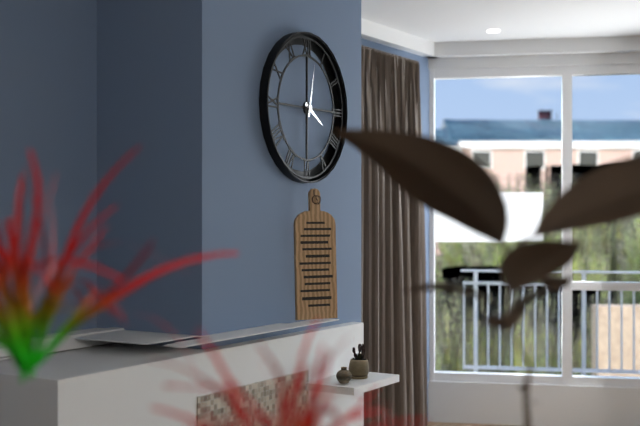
4:02
